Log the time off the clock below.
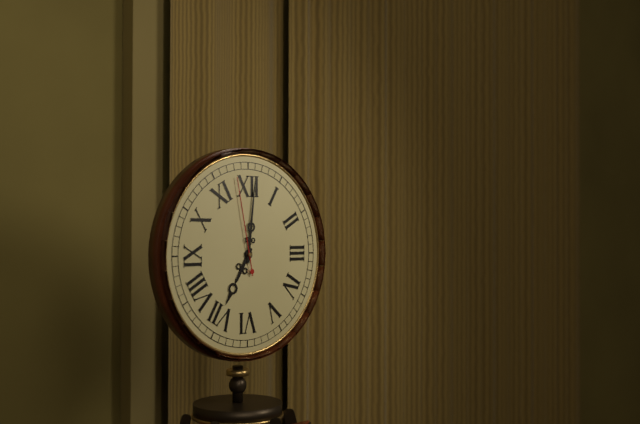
7:01:58
